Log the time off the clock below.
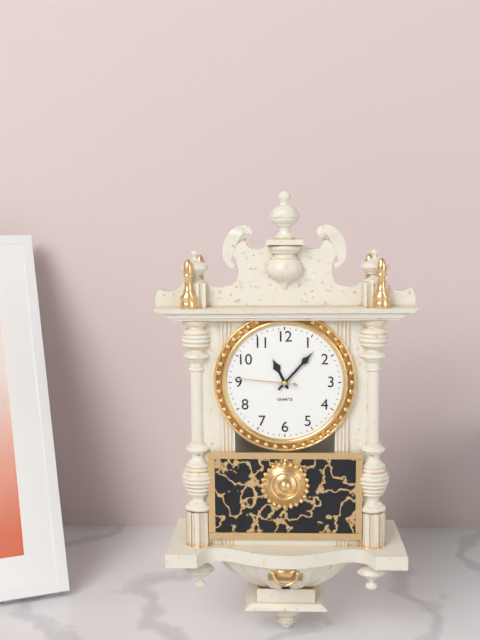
11:07:46
